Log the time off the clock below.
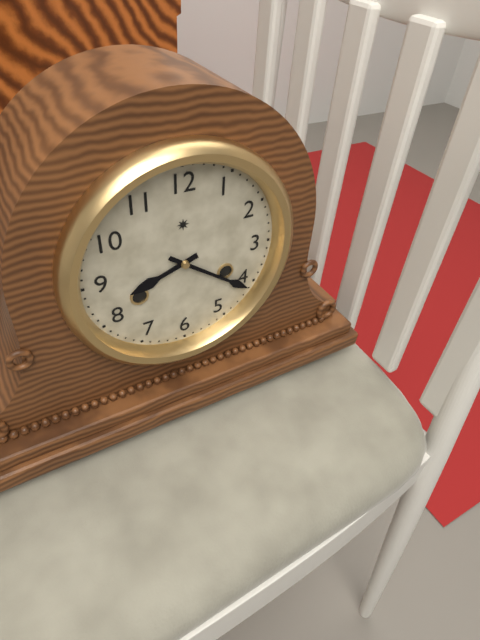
8:21
